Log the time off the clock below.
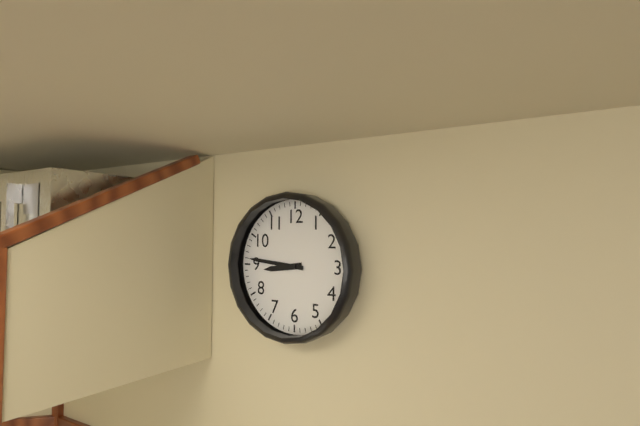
8:46
